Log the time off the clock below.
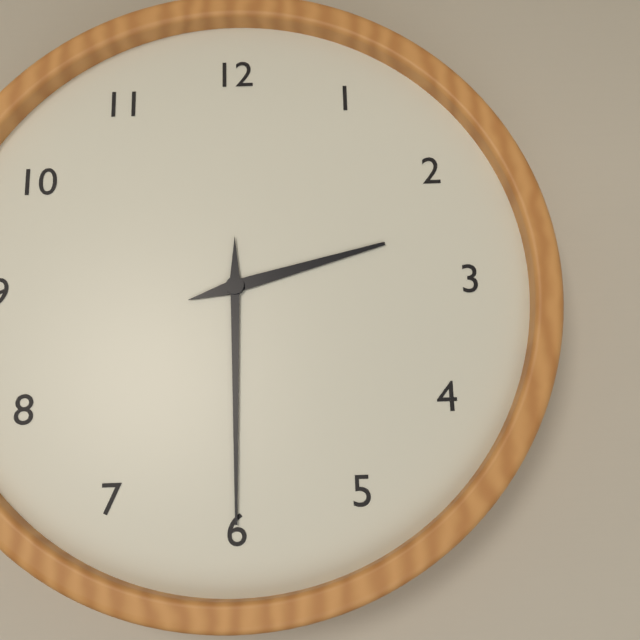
2:30
